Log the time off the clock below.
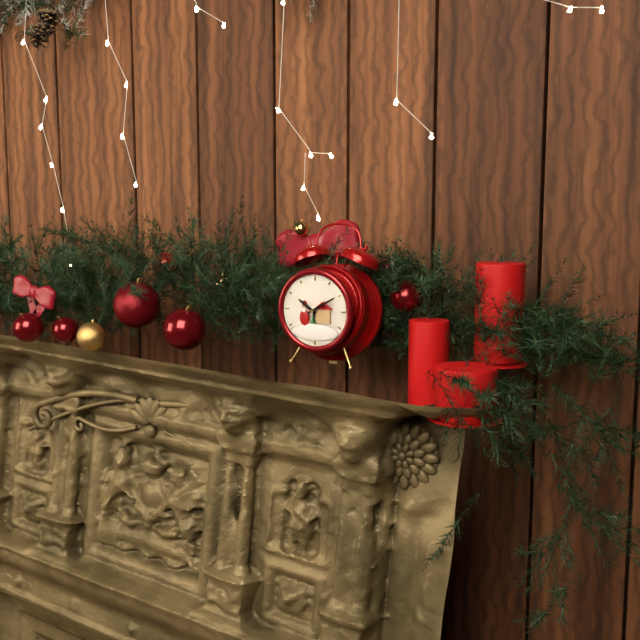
10:10
